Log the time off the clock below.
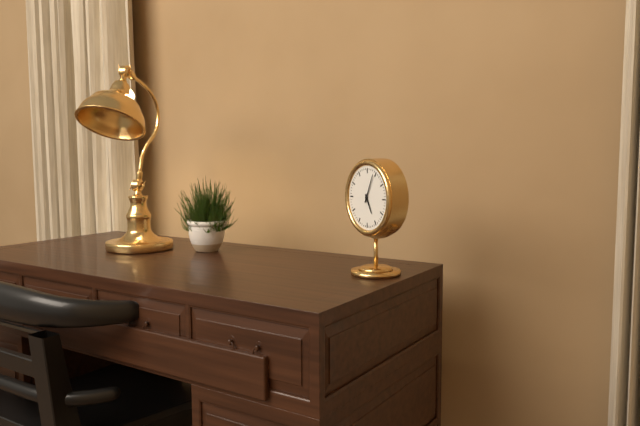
5:04
